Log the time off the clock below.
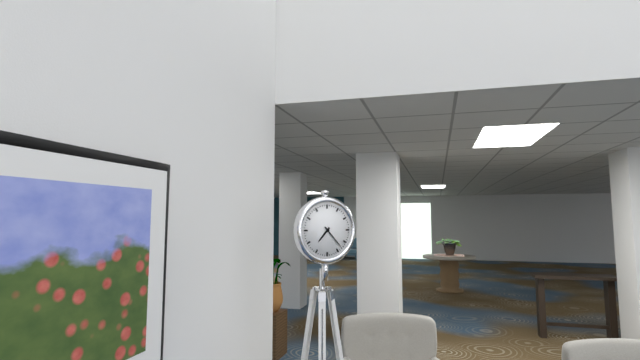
7:23
